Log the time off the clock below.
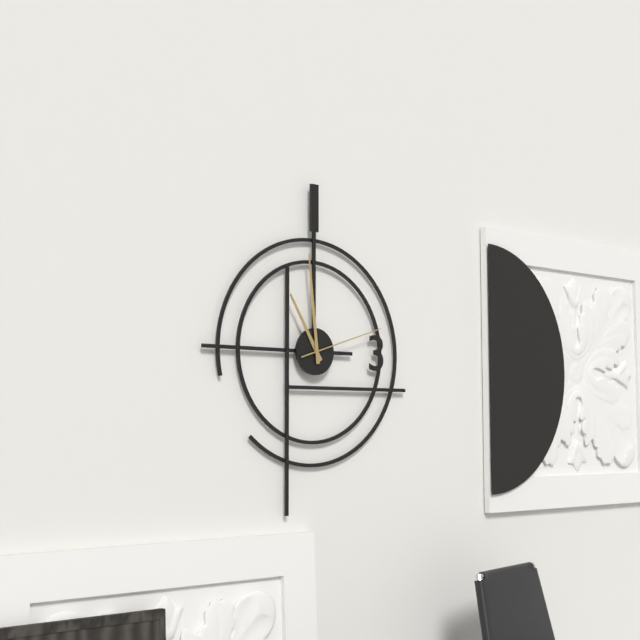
10:59:12
